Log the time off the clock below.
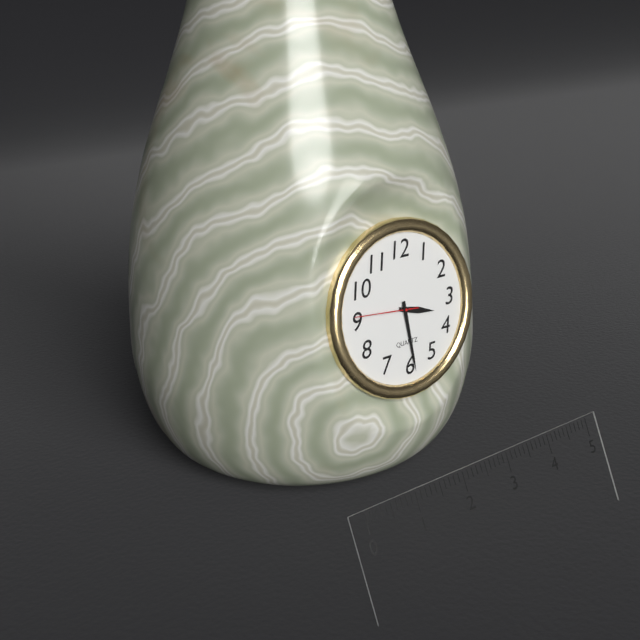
3:29:46
